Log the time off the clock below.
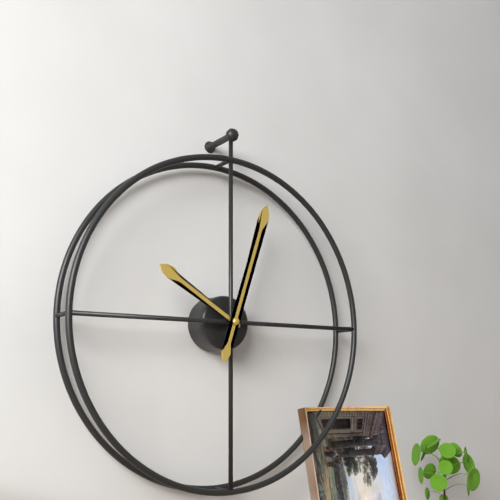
10:03
